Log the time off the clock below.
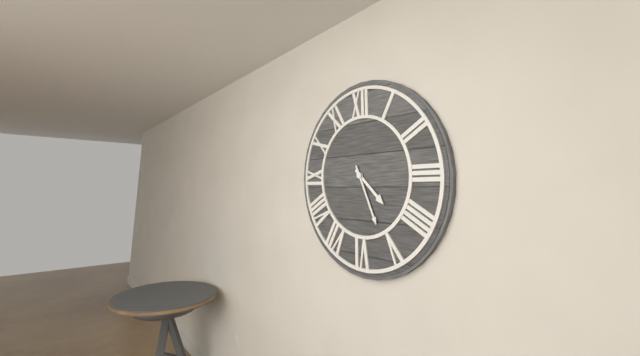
4:26
